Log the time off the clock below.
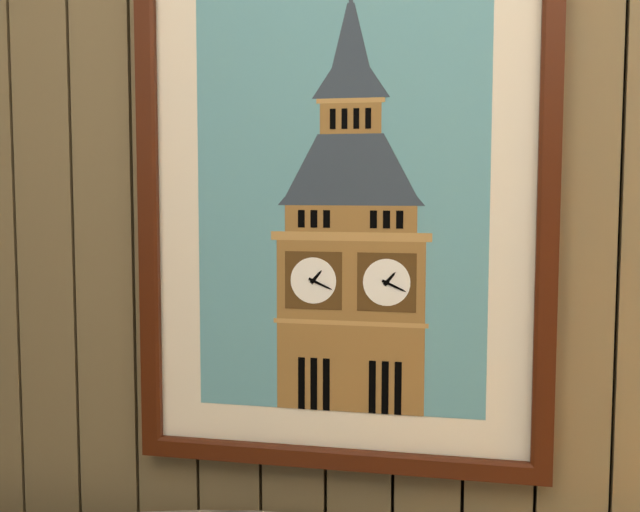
1:19
